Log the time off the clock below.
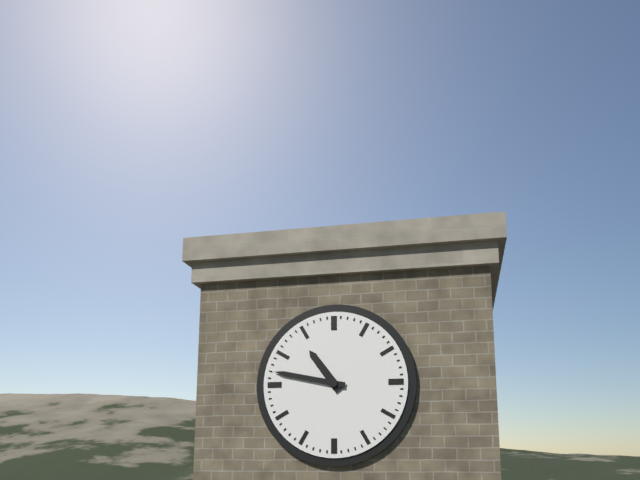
10:47
